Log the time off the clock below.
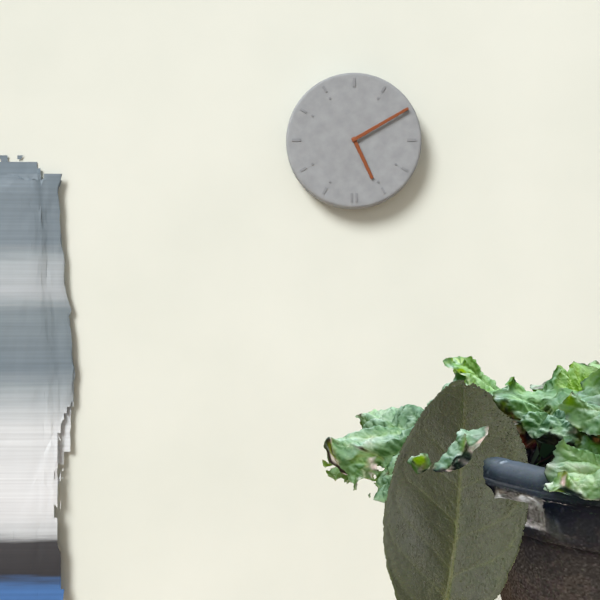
5:10
